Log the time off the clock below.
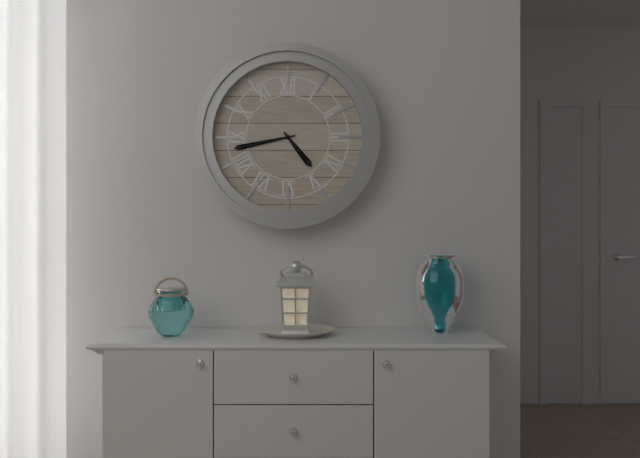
4:43
